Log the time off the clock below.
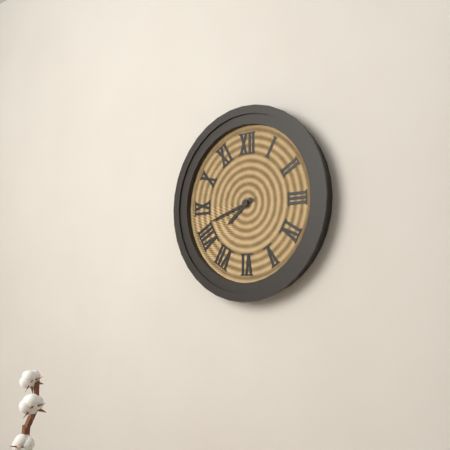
7:42
